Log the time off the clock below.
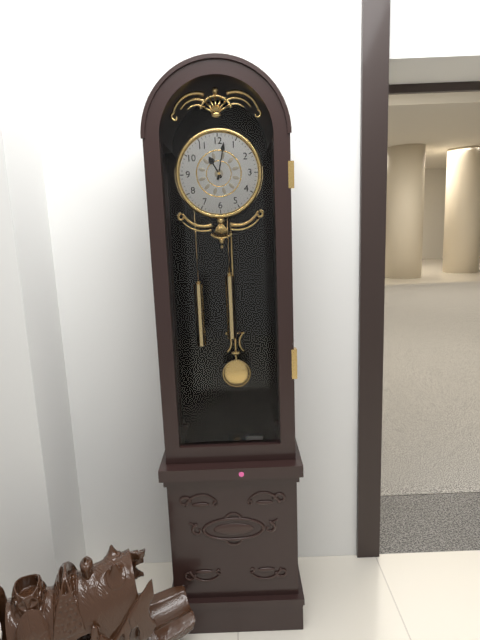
11:02
